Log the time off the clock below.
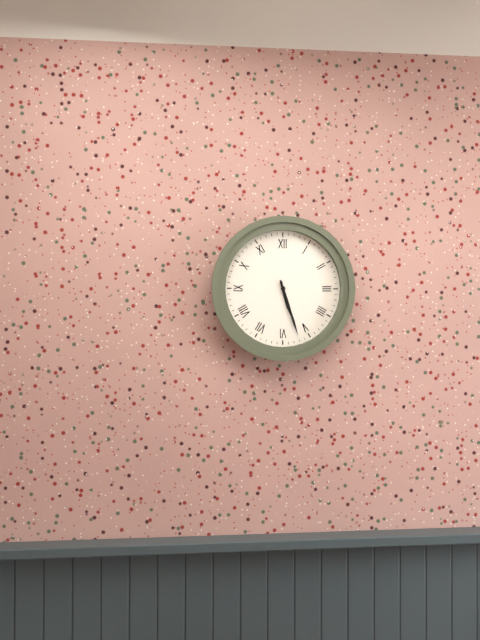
5:27
